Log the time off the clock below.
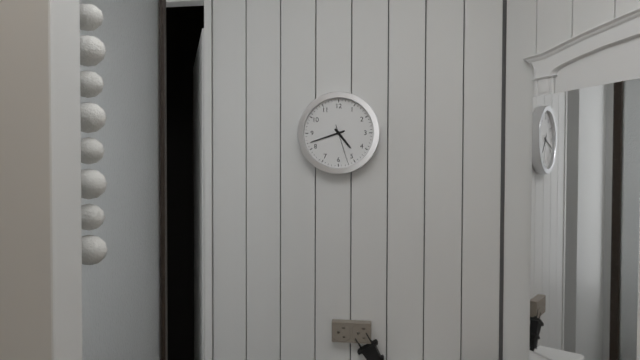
4:42
